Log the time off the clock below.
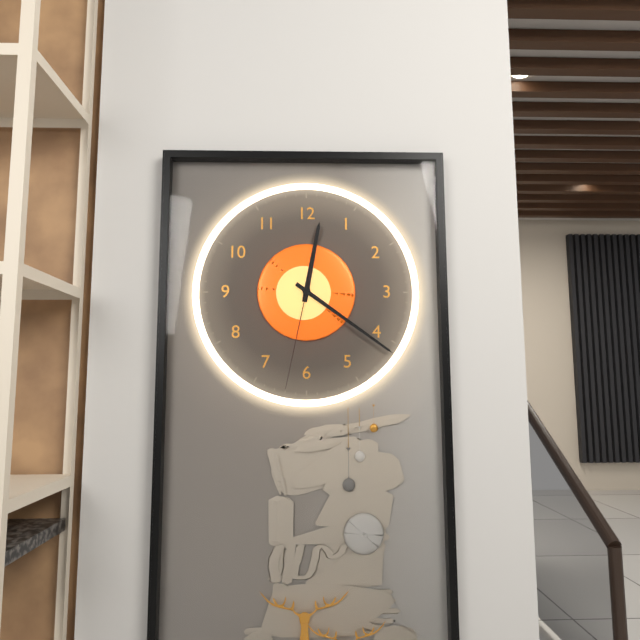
12:21:32
